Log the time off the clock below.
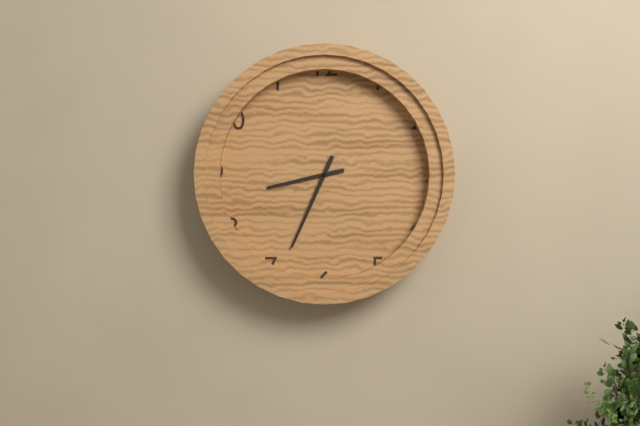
8:34
